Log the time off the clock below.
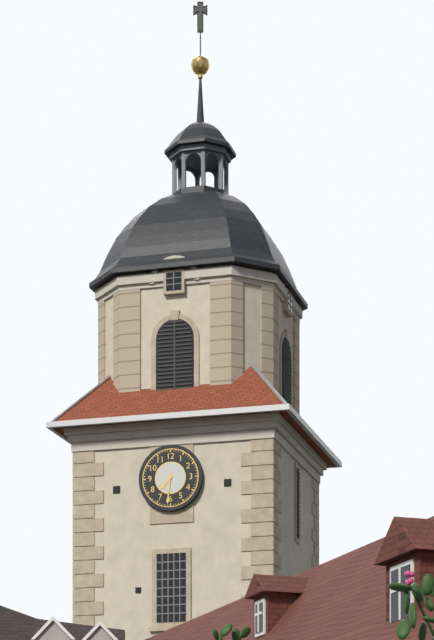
7:31
